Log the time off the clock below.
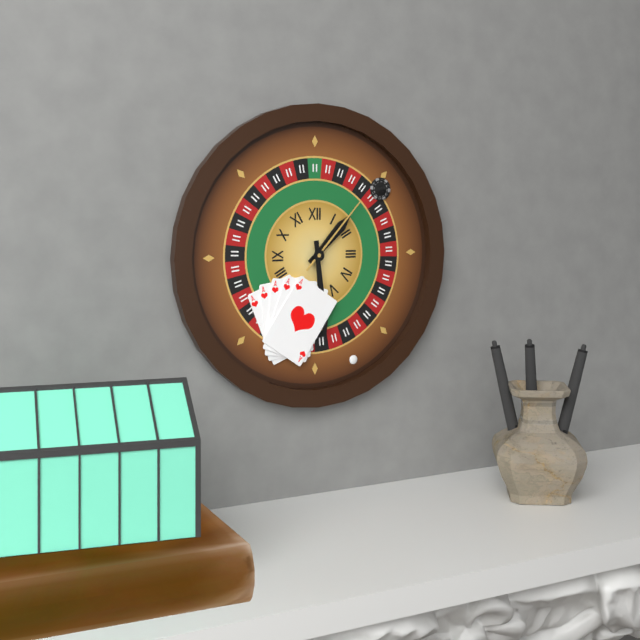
1:29:07
